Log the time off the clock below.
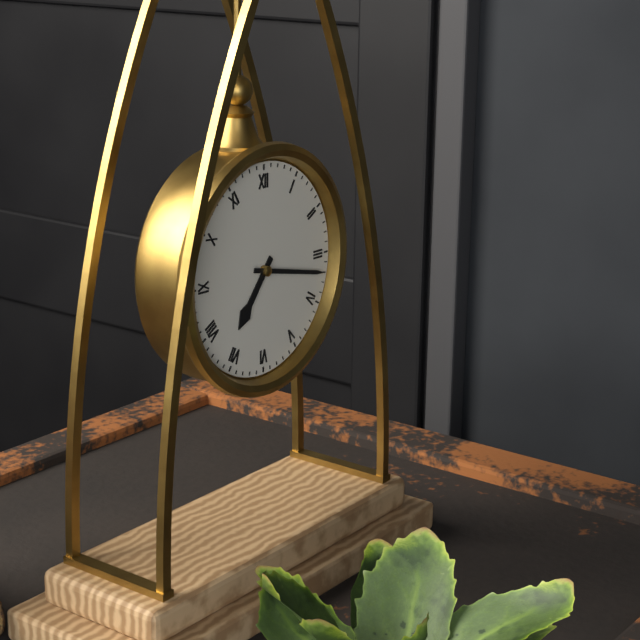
7:17
